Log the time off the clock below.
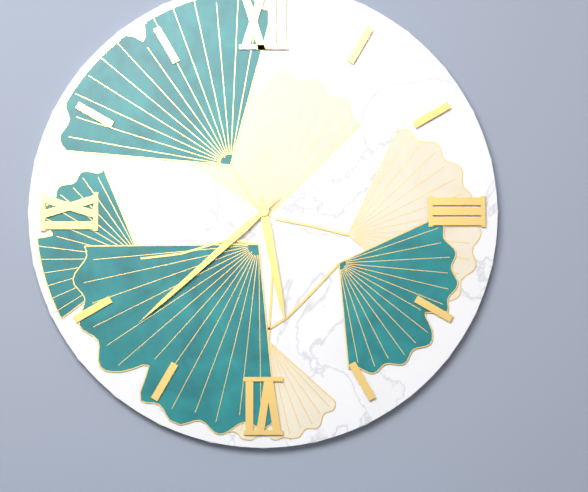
5:38
